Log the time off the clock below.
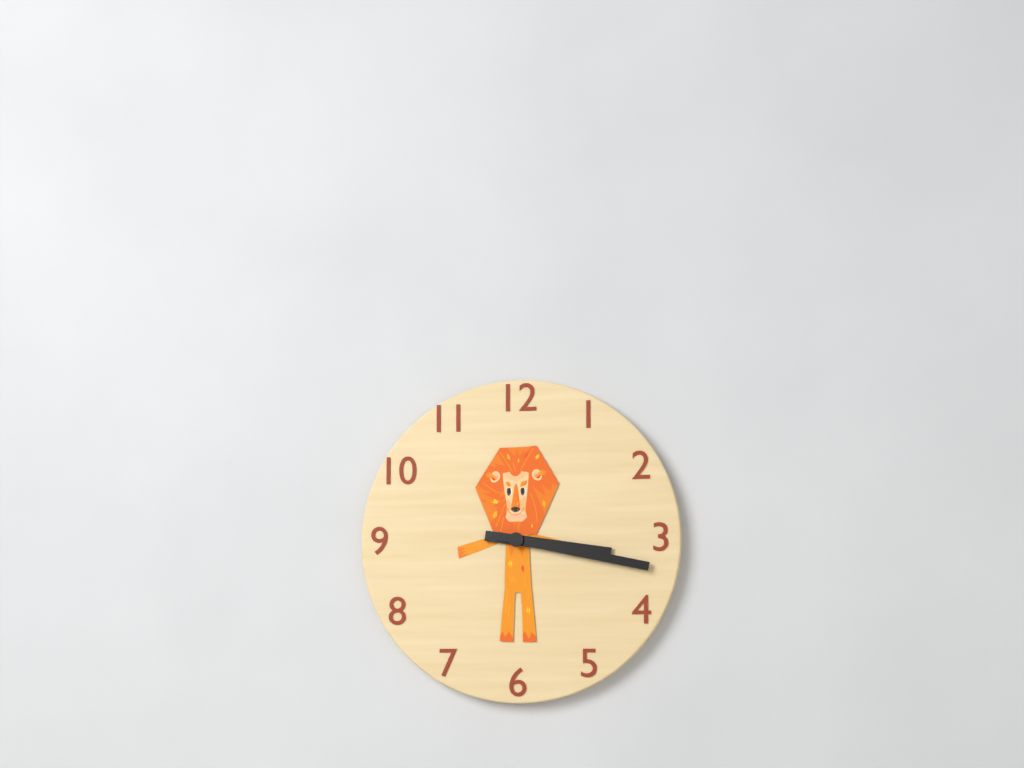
3:17
